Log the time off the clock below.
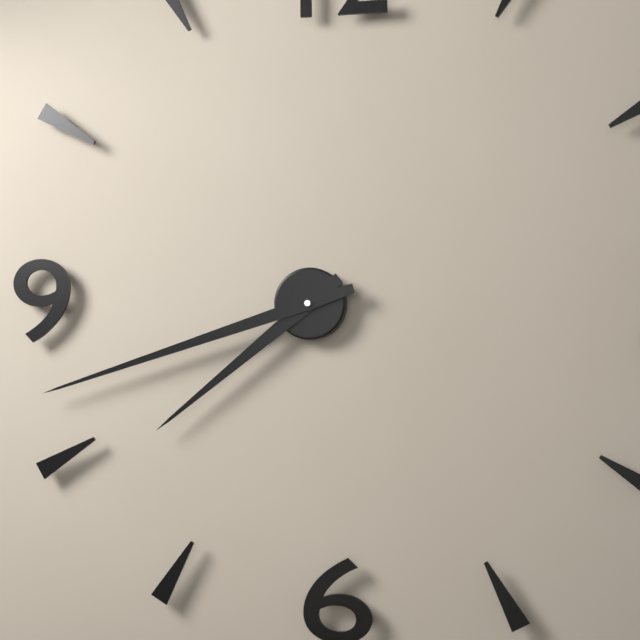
7:42
